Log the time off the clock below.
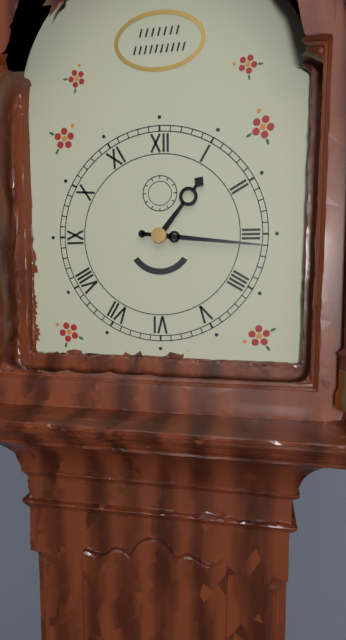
1:16
